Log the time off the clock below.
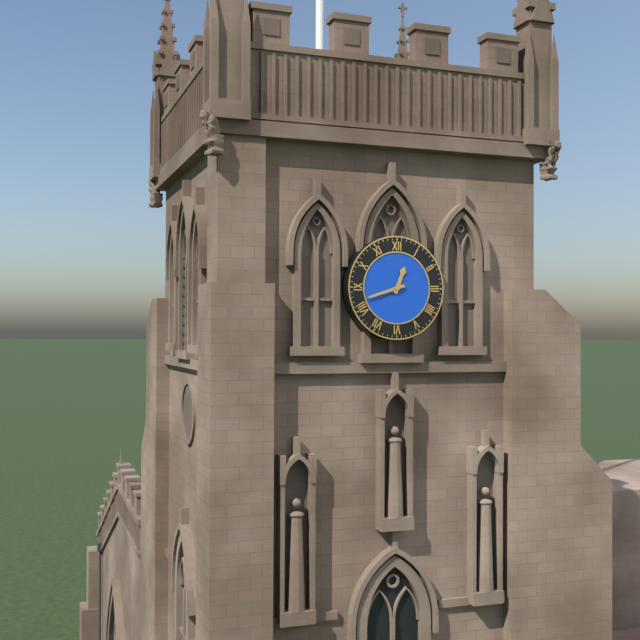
12:42
